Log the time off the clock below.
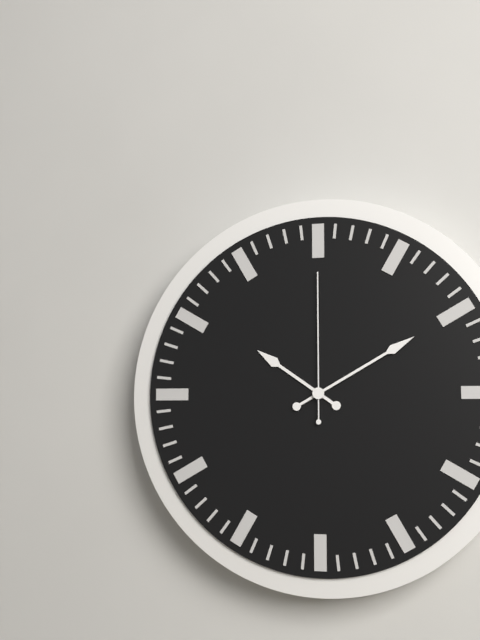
10:10:00
